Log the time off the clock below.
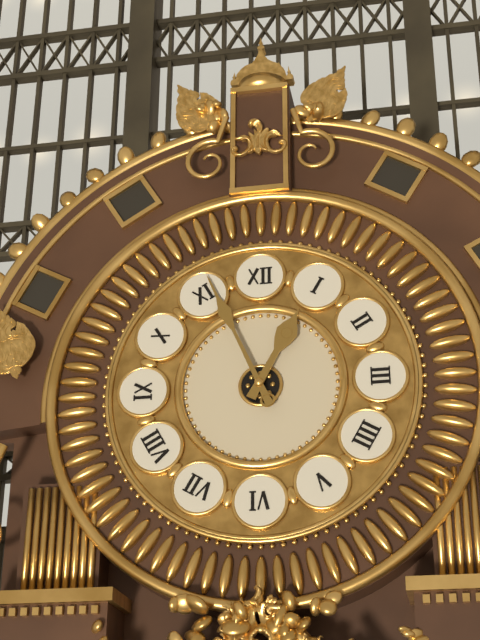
12:56
